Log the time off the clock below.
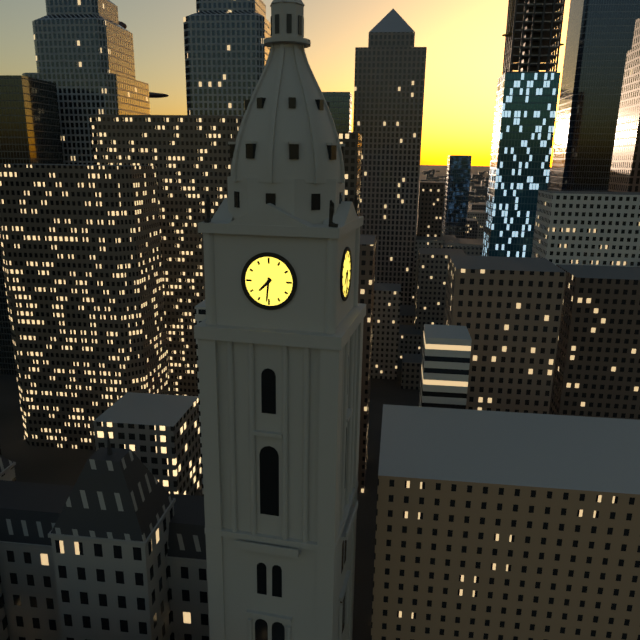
7:31
